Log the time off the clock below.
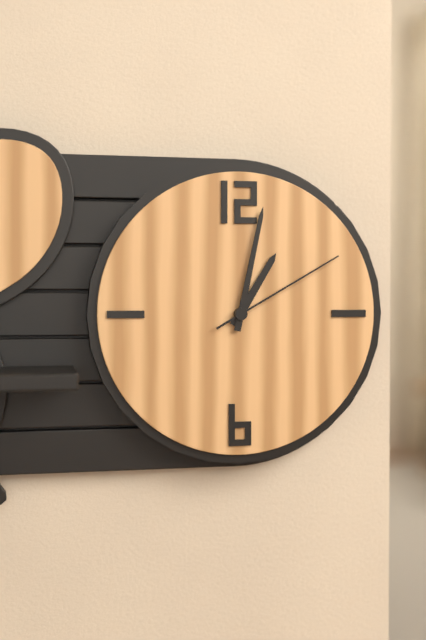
1:02:10
